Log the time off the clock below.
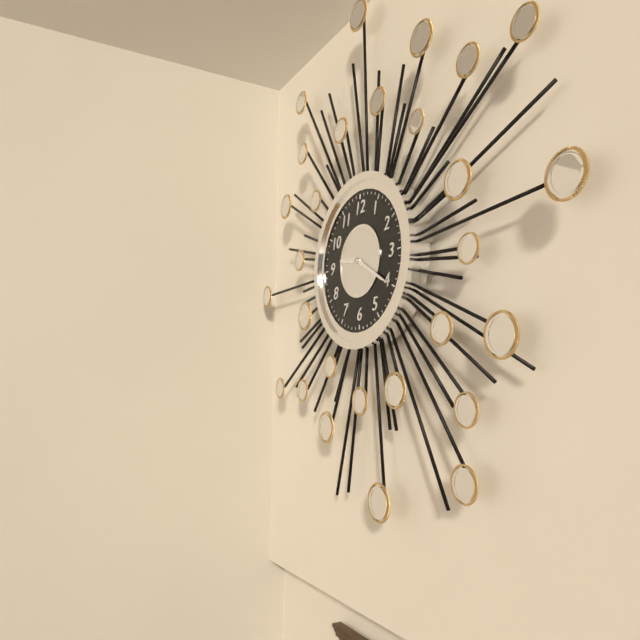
9:20
